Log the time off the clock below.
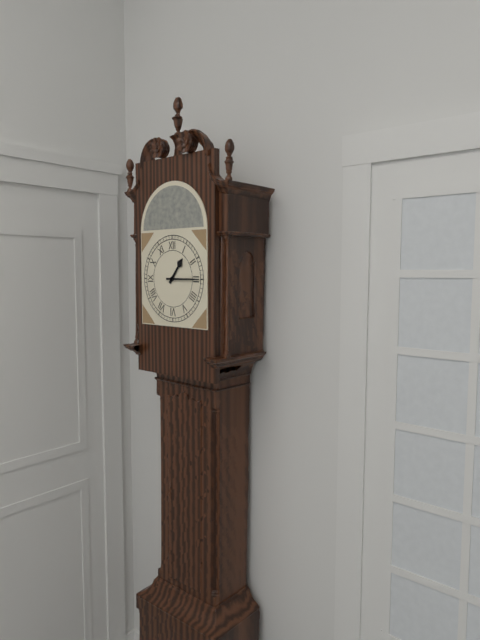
1:15
